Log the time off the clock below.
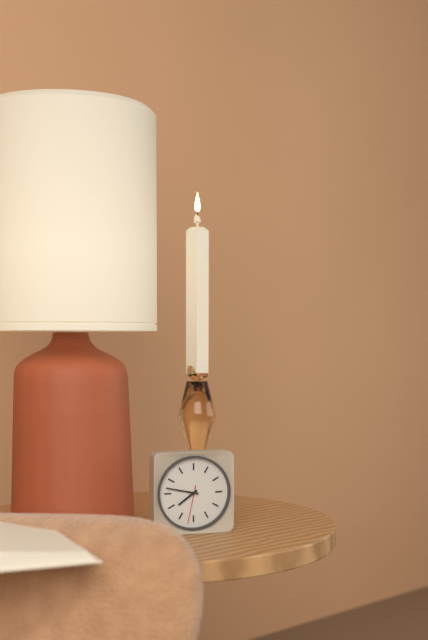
7:47
